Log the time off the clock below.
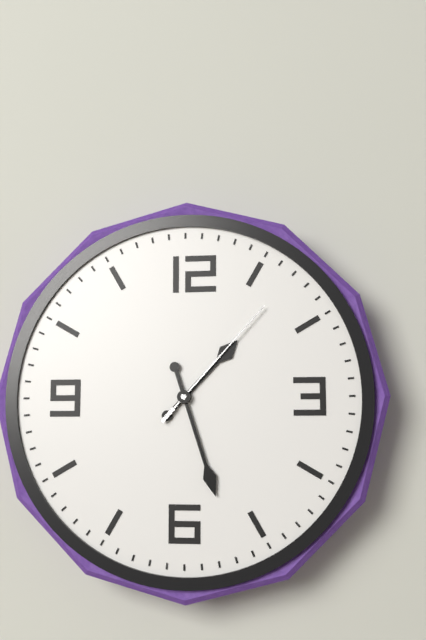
1:27:07
